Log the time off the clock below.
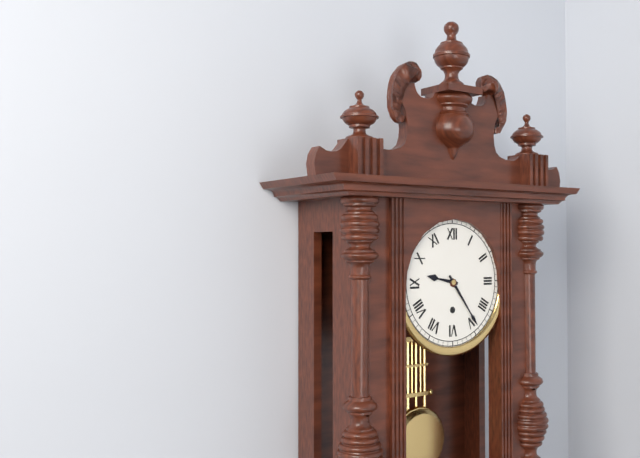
9:24
